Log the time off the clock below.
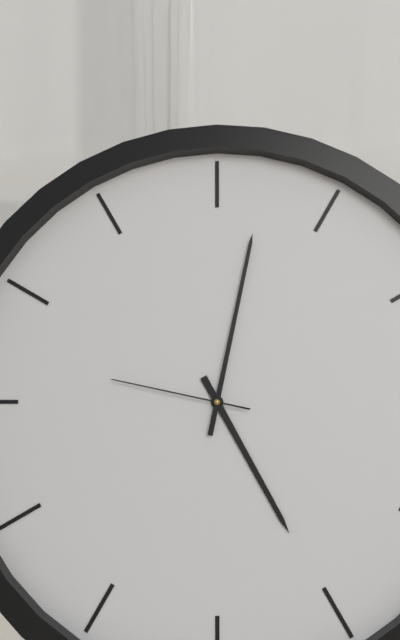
5:02:47
